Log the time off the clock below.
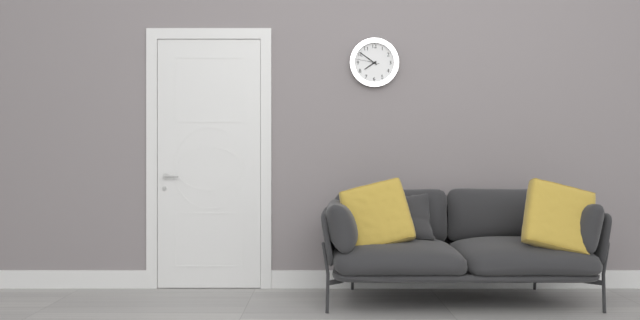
7:51
